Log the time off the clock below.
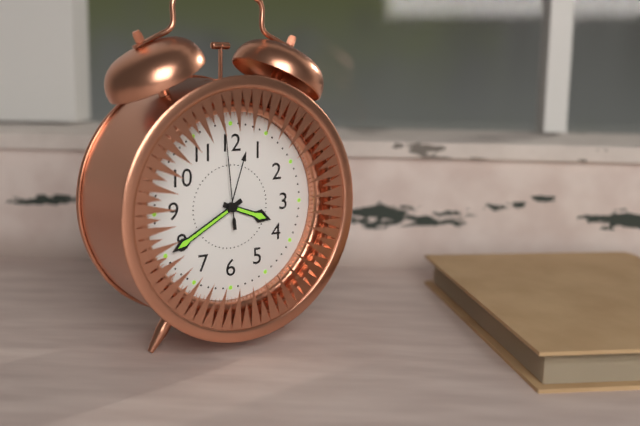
3:40:59
